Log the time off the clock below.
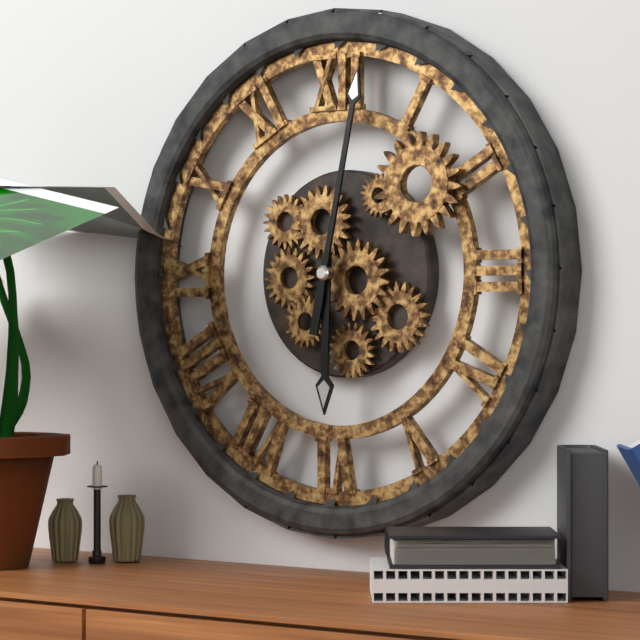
6:02
